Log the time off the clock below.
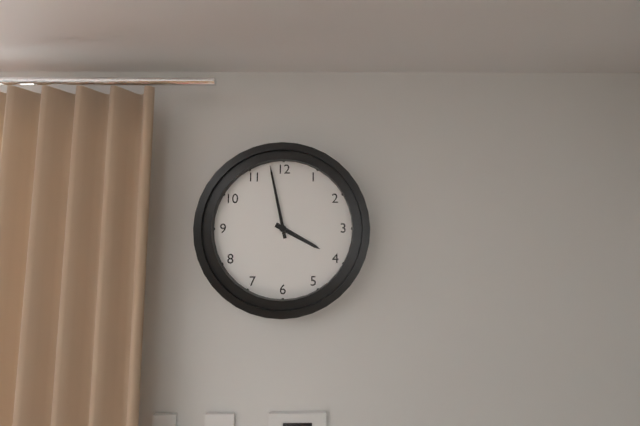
3:58
